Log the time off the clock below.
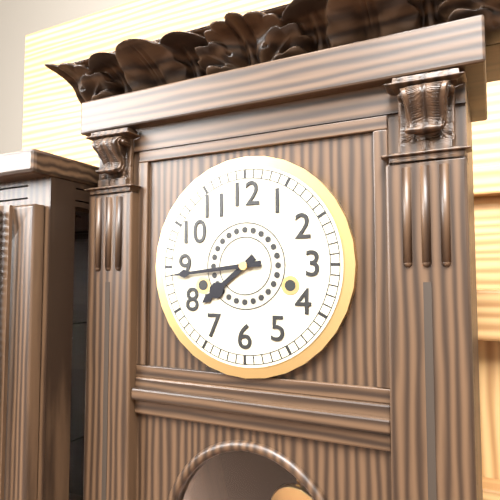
7:44
